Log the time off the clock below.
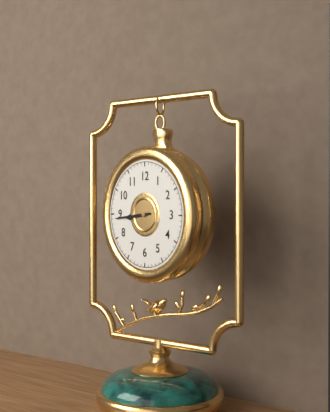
8:44
